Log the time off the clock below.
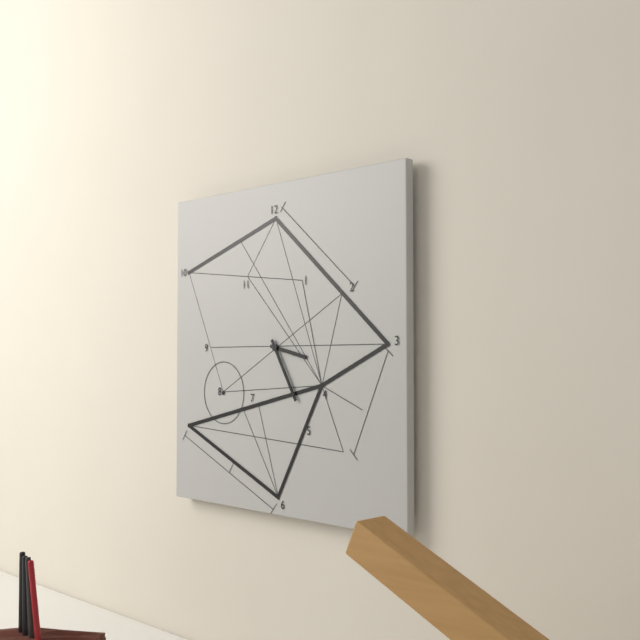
3:25
